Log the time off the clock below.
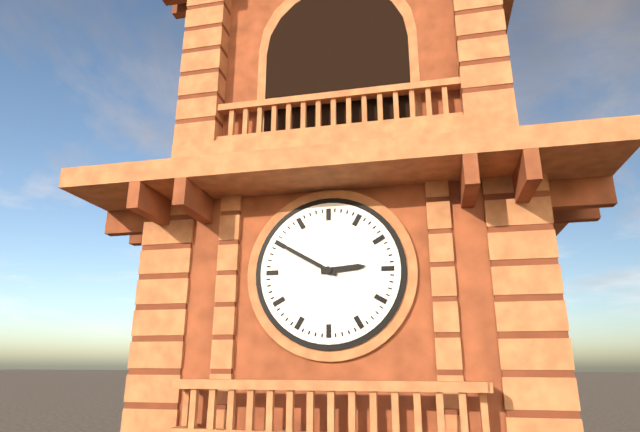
2:50
